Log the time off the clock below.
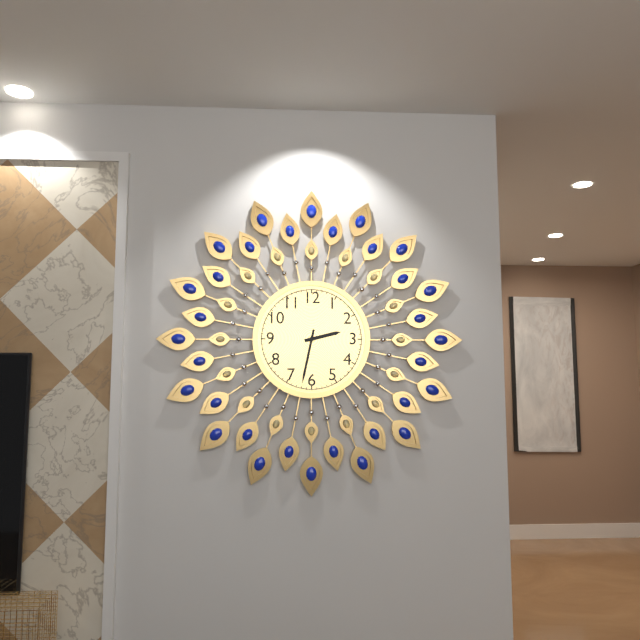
2:32
